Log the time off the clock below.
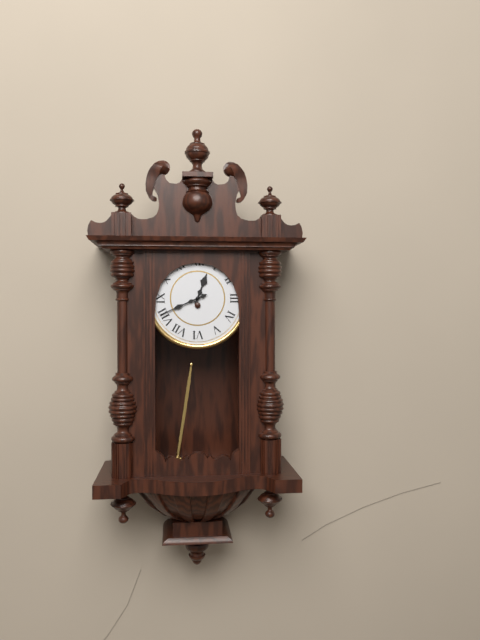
12:41
